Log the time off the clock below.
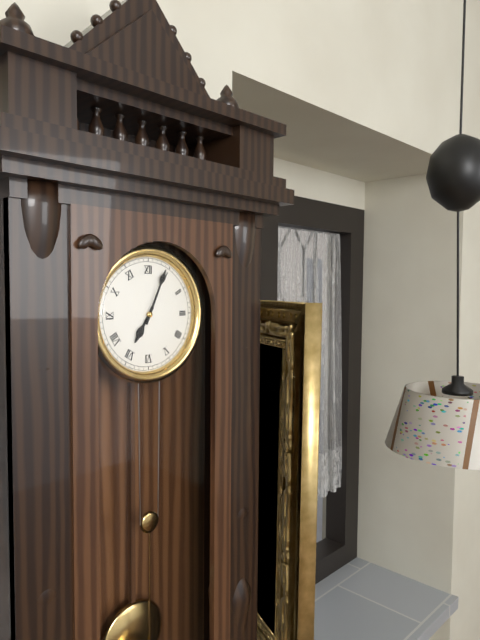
7:04
